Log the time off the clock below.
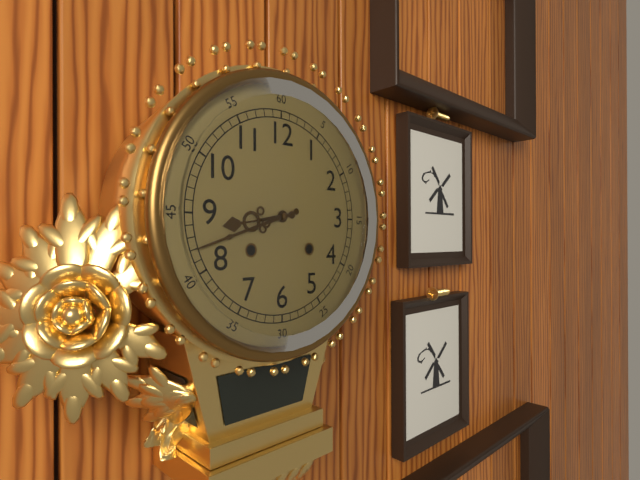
8:42
